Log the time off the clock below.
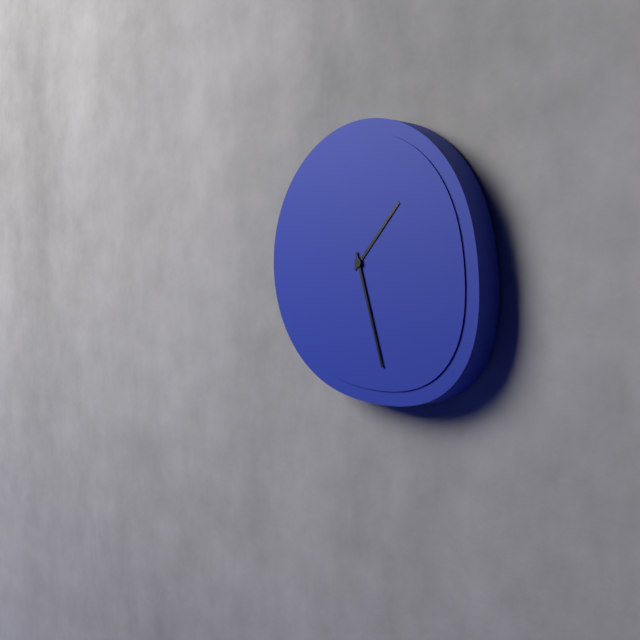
1:27
